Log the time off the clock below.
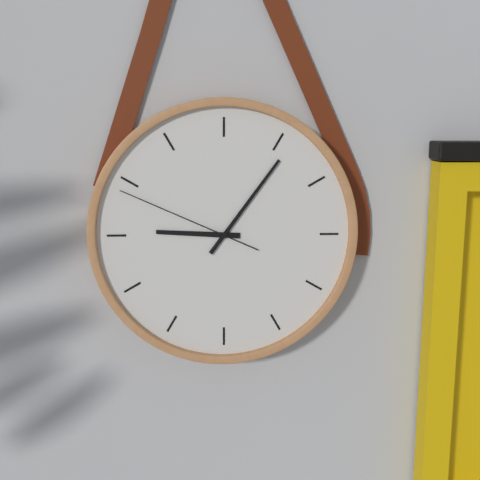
9:06:49
